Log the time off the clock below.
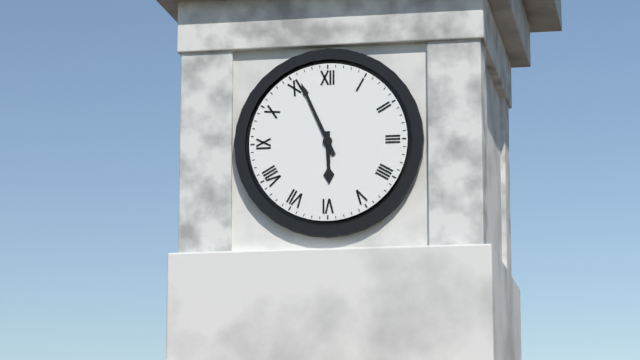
5:56
